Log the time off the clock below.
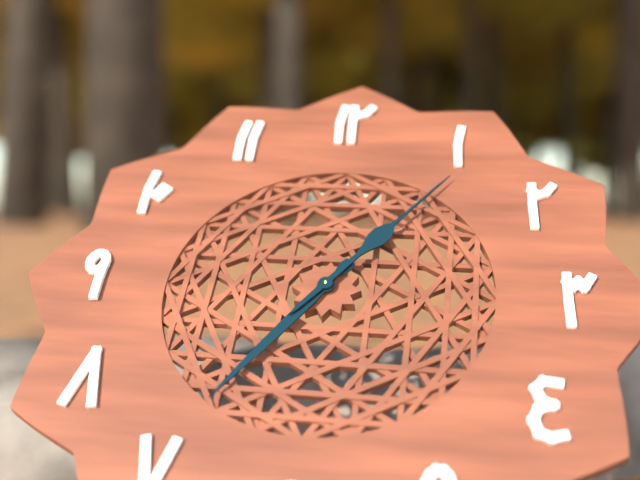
7:06
